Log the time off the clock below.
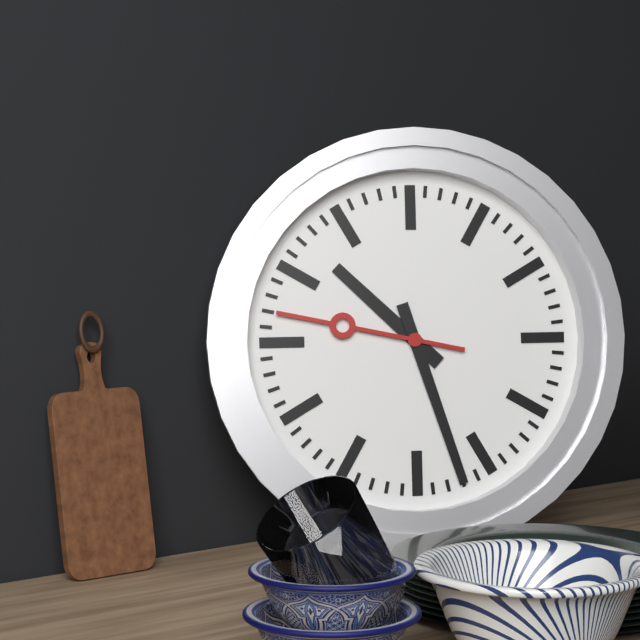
10:27:47
